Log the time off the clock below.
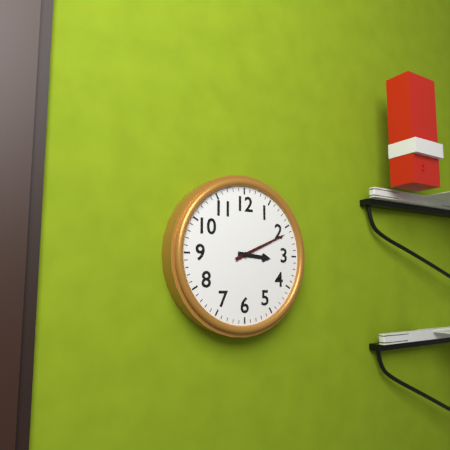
3:11
